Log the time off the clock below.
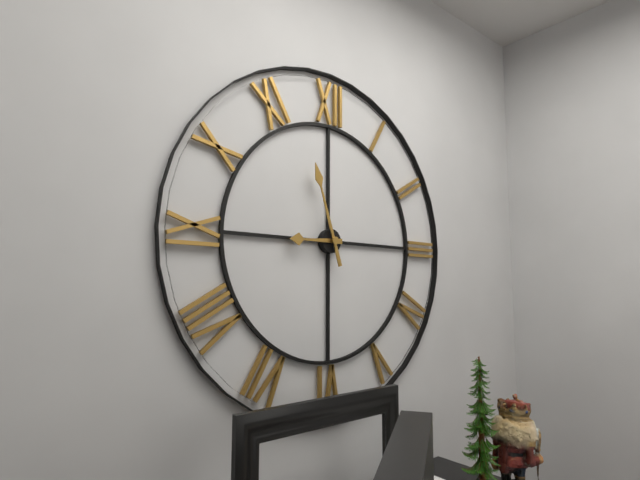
8:57
